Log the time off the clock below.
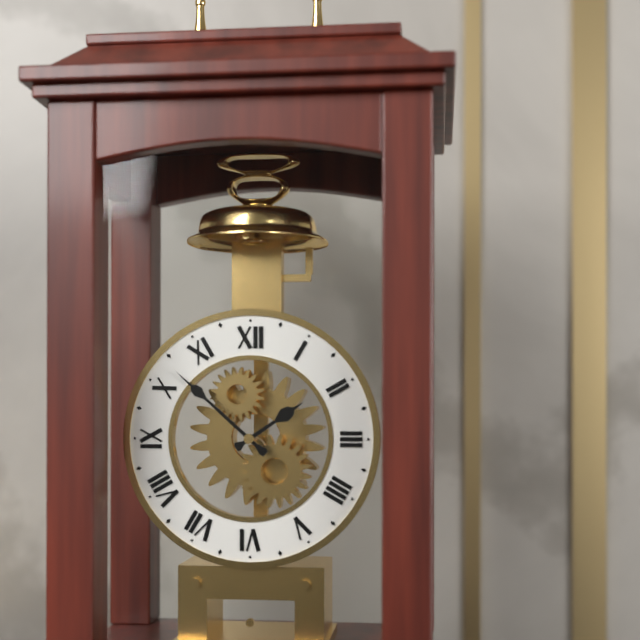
1:52
